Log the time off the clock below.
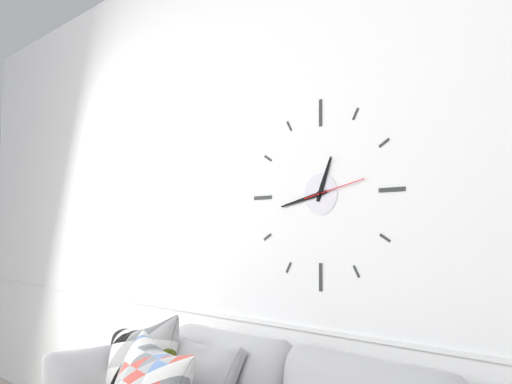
12:43:13
